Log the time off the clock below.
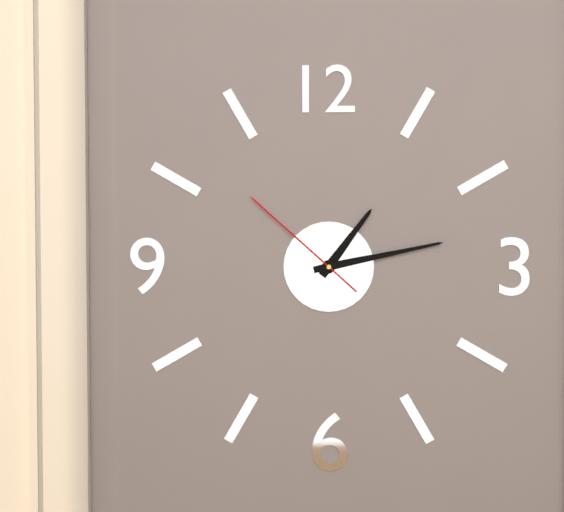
1:13:52
